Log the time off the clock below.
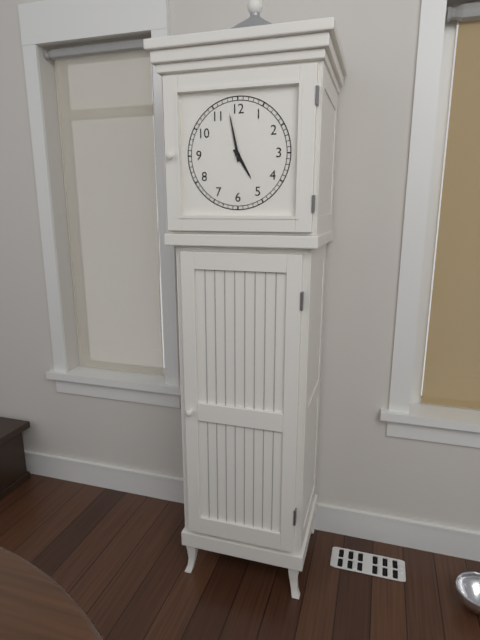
4:58
